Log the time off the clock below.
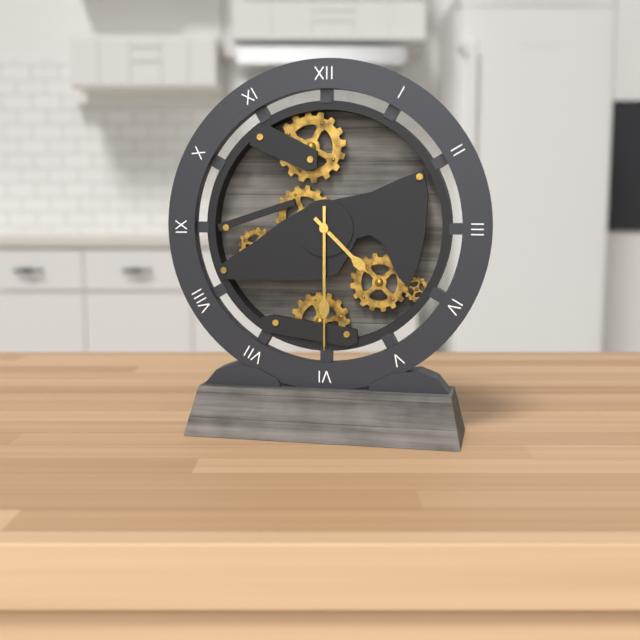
4:30
